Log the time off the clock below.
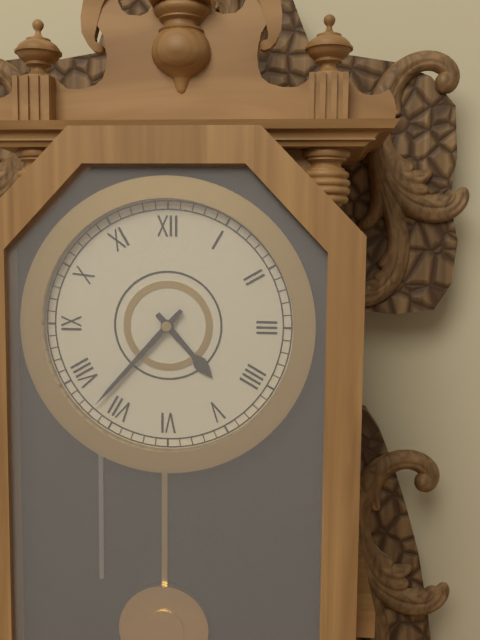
4:37
